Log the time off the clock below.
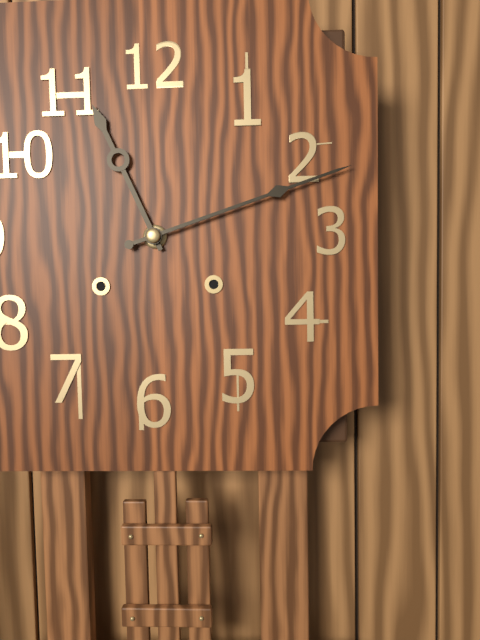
11:12
